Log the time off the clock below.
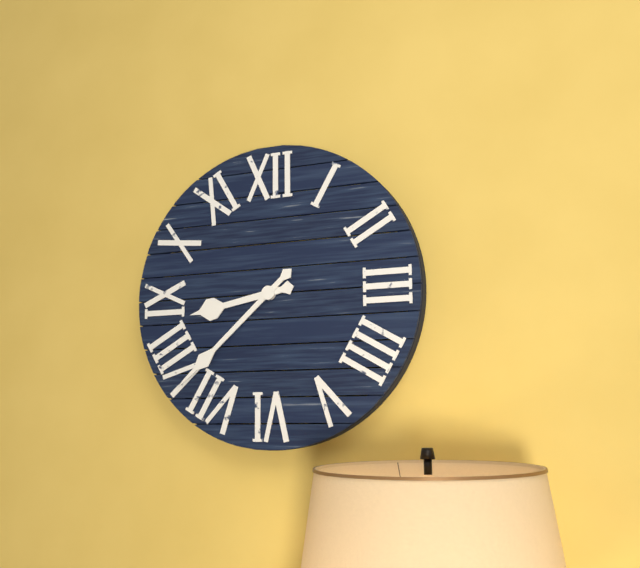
8:38
